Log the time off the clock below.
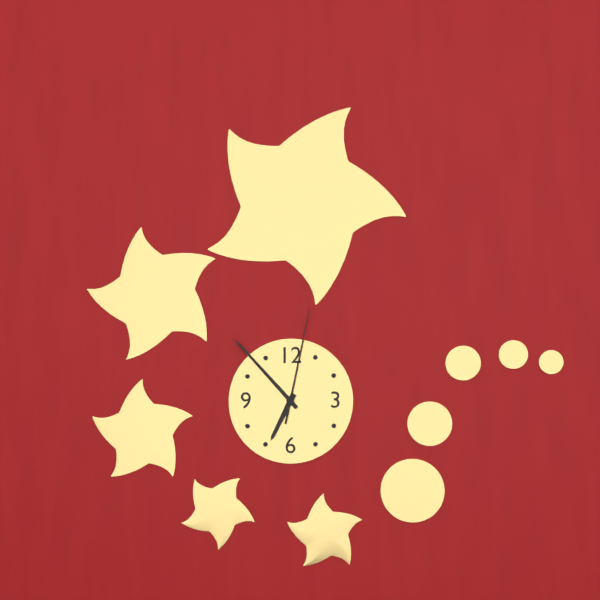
6:53:02
